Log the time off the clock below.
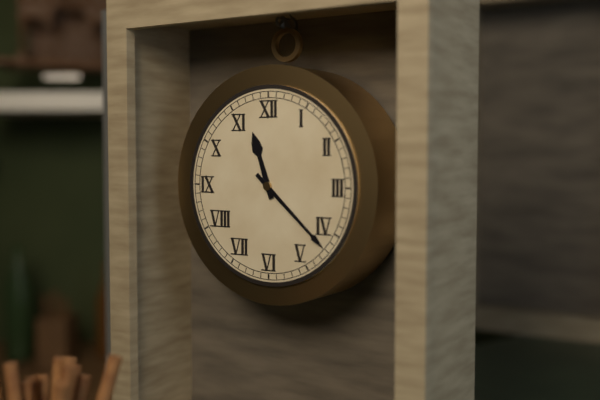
11:22
